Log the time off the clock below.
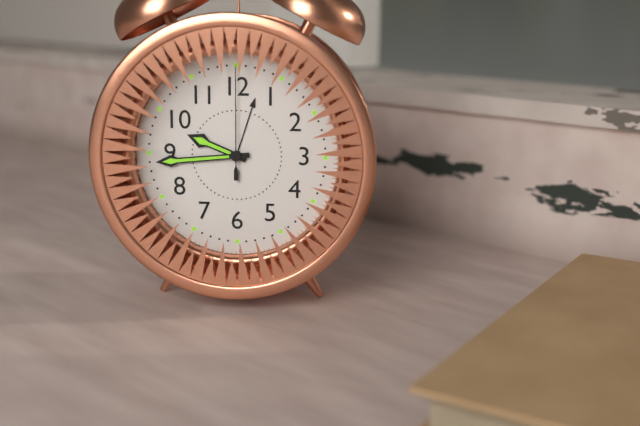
9:44:00
